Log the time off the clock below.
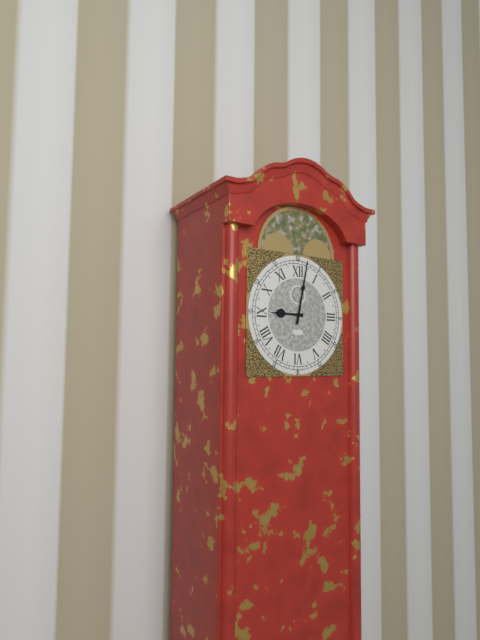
9:02
